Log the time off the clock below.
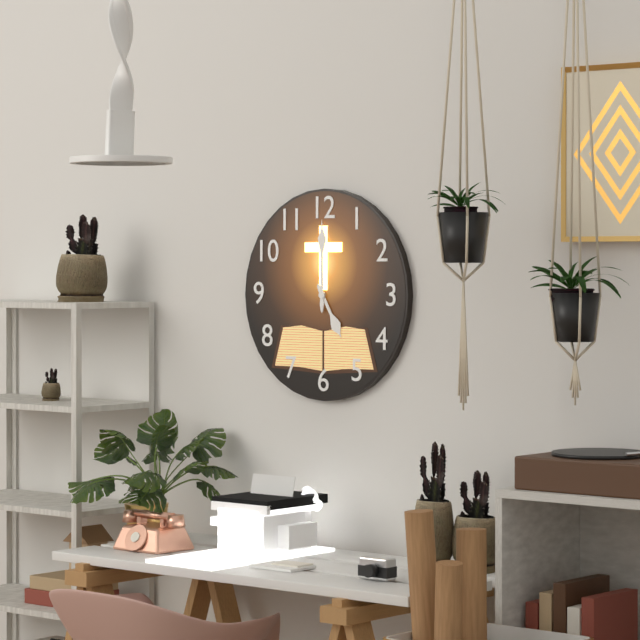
5:00
